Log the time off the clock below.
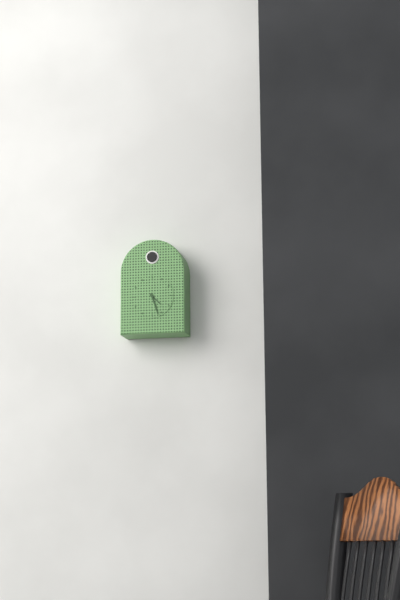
4:27
